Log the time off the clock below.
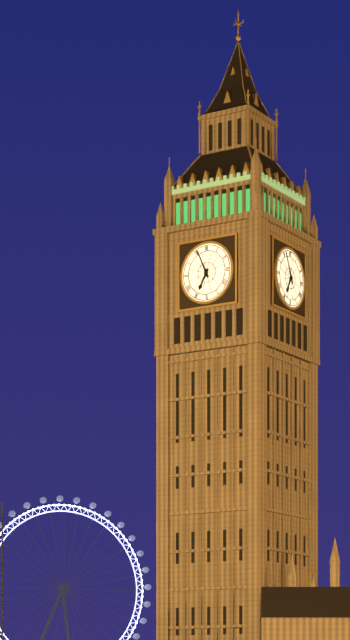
6:56
